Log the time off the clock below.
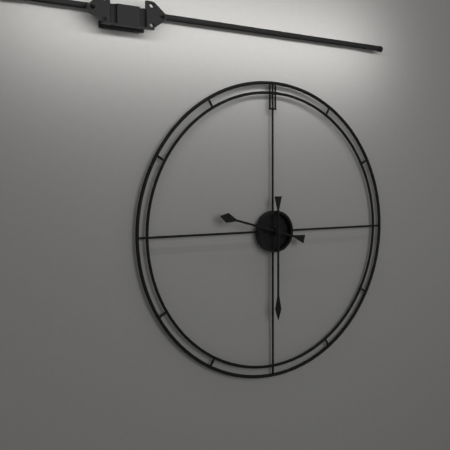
9:30
